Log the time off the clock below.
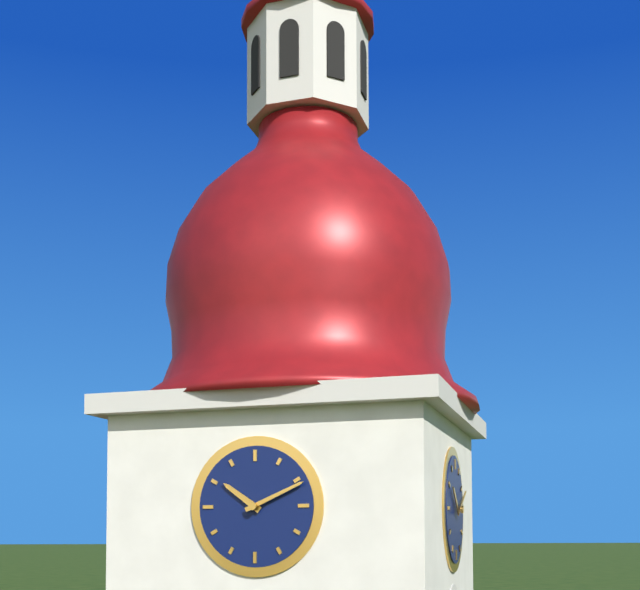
10:11
